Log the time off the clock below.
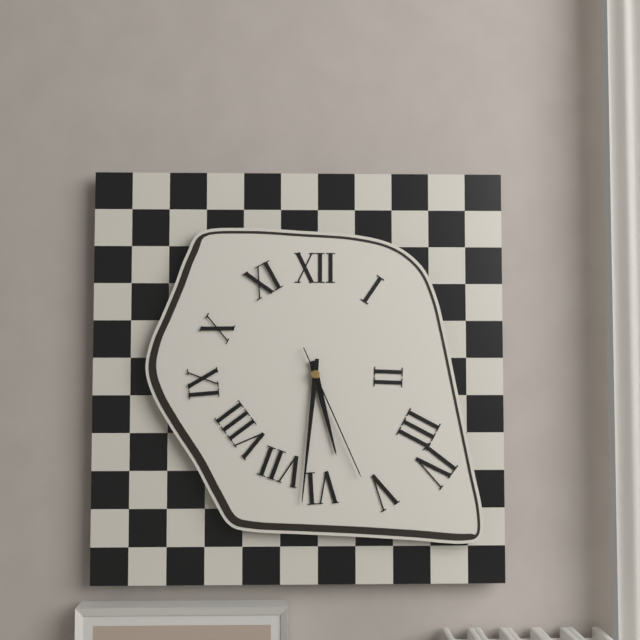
5:31:26
